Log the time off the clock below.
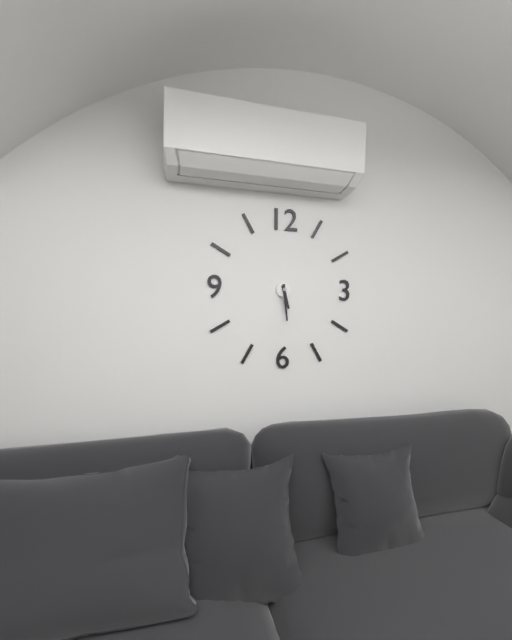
5:29
